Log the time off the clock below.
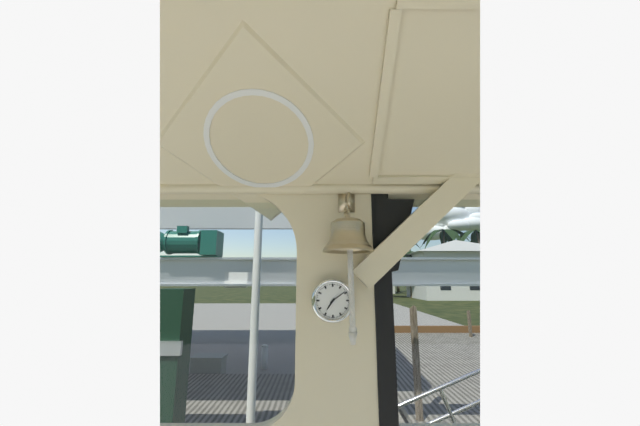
7:09
